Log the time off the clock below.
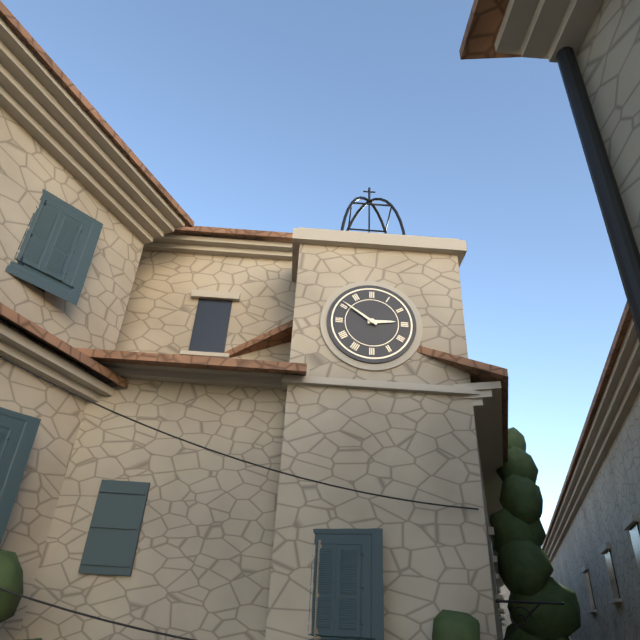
2:51
